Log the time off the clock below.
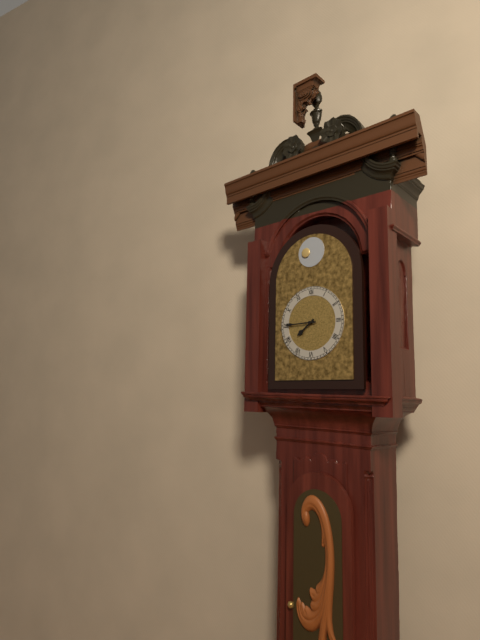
7:45
